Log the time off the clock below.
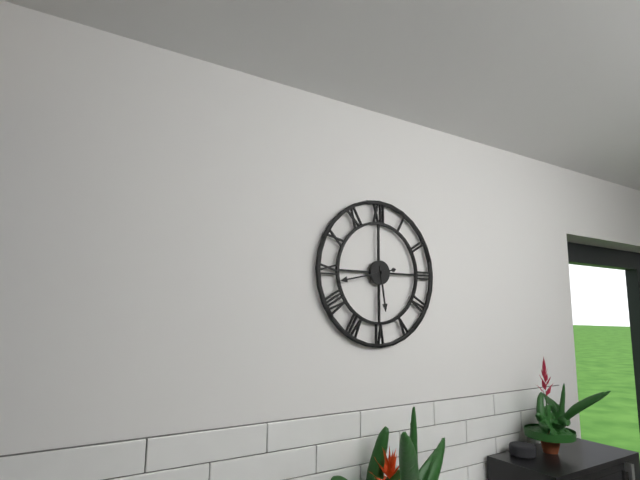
5:43
